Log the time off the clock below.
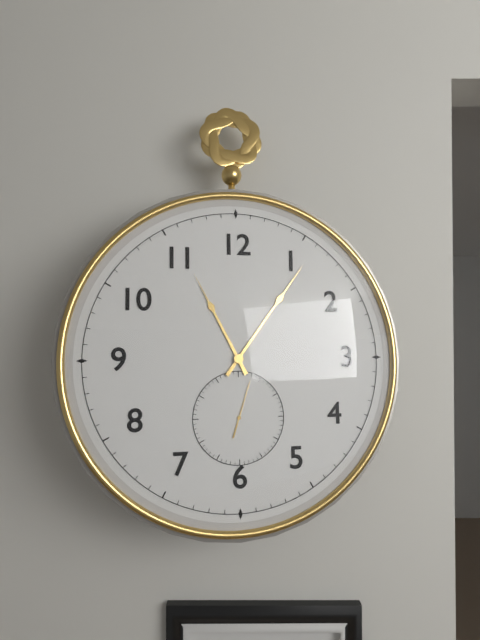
11:06
